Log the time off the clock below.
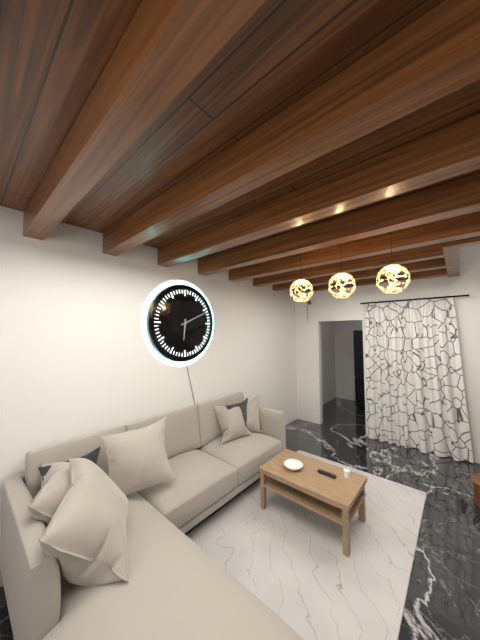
6:11
